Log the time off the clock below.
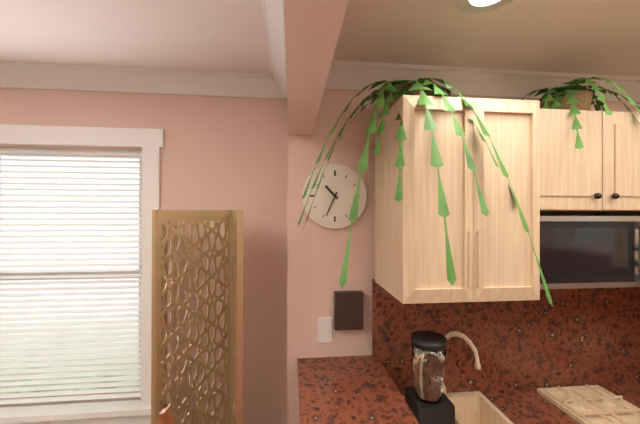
10:34
